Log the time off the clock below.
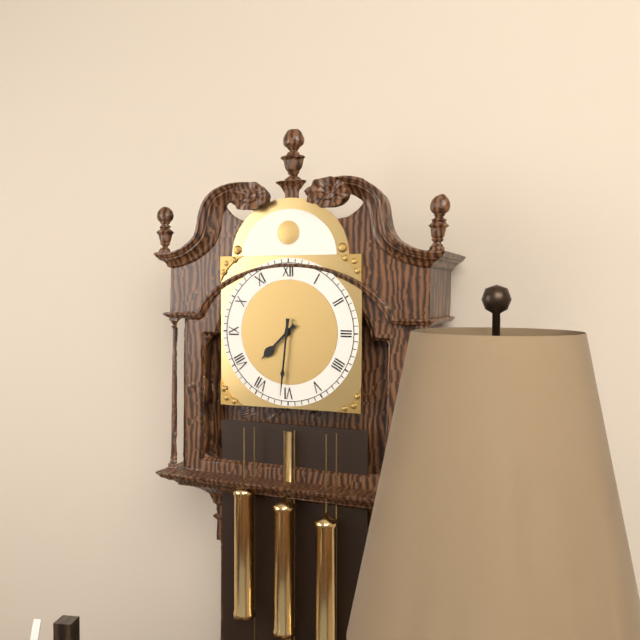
7:31
